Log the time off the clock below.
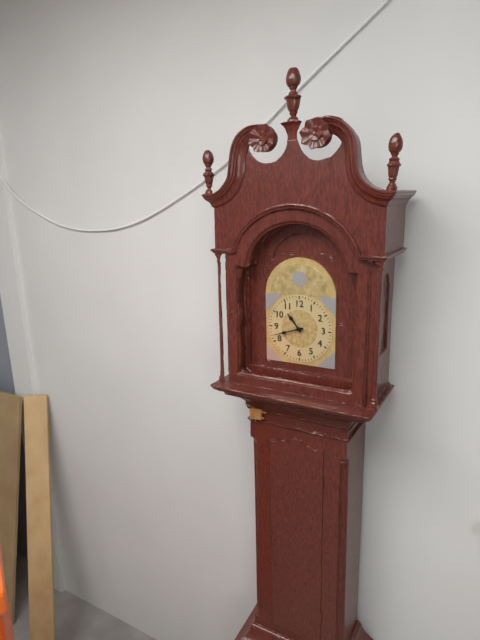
10:42
